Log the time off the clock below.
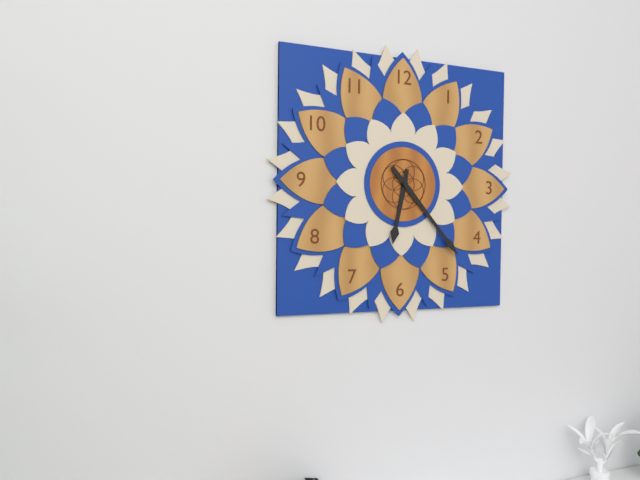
6:23
